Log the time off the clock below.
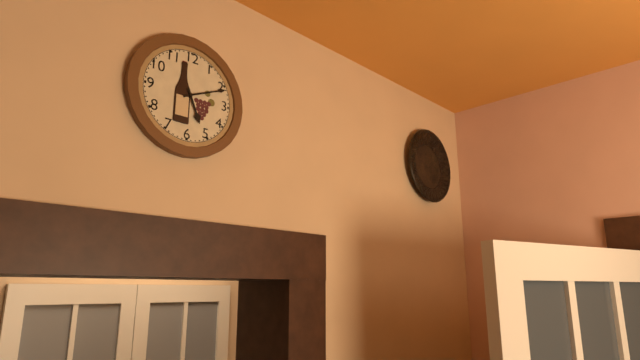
5:11
